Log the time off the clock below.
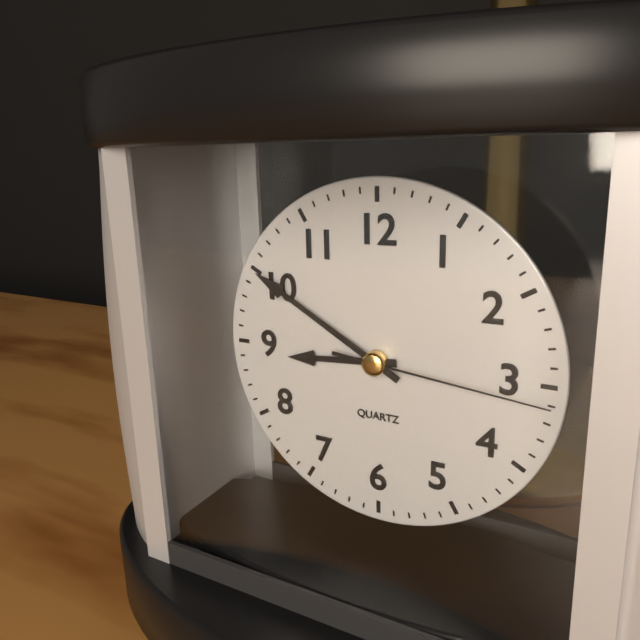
8:50:16
